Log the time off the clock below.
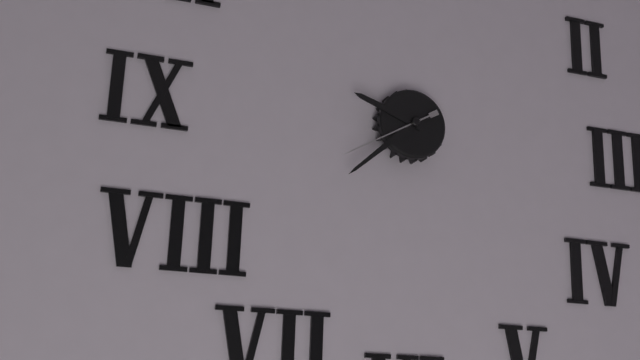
9:38:40
